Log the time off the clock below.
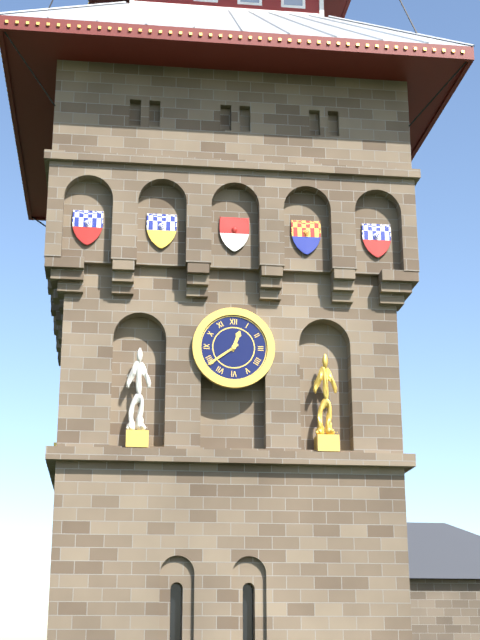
12:39
